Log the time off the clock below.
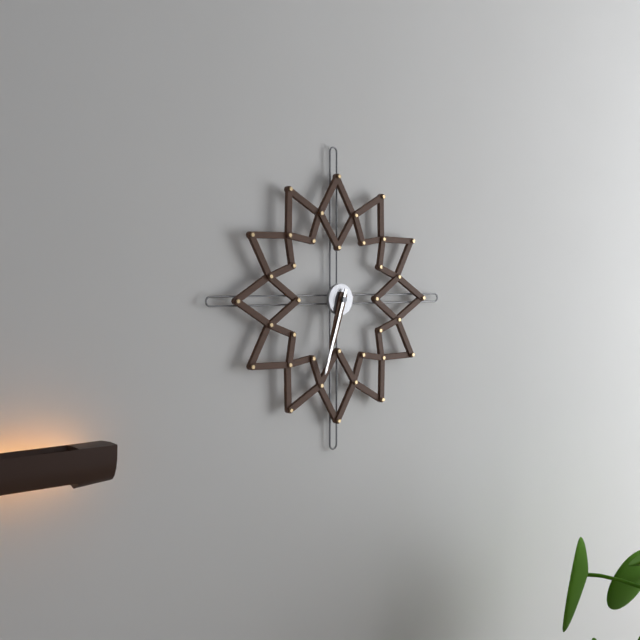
6:33
